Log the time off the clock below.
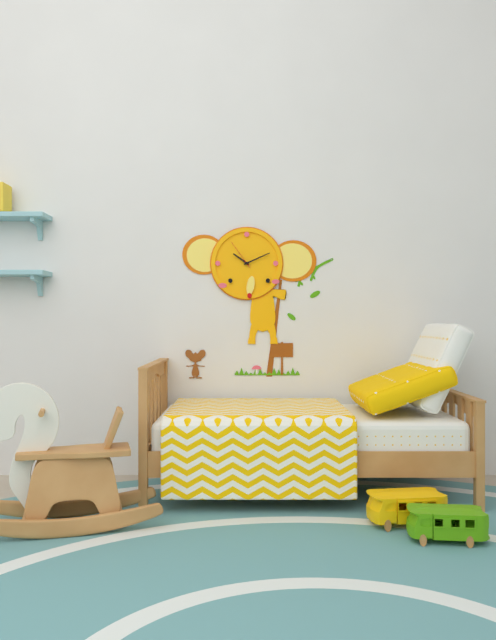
10:11
